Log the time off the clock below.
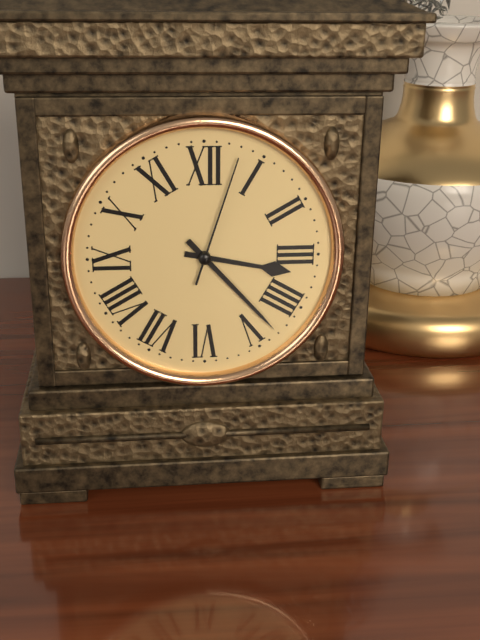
3:23:03
